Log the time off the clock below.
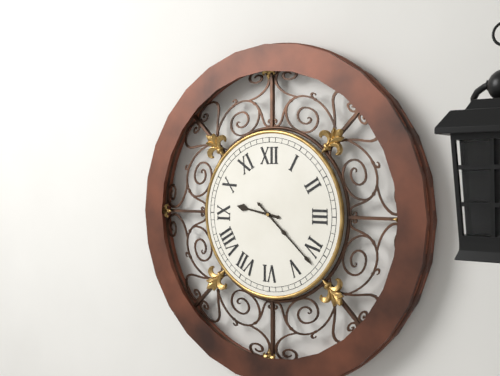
9:22
